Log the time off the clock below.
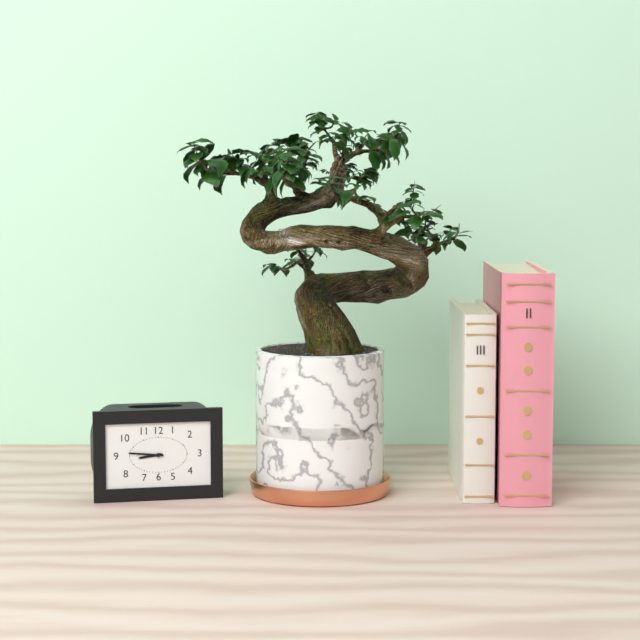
8:46
